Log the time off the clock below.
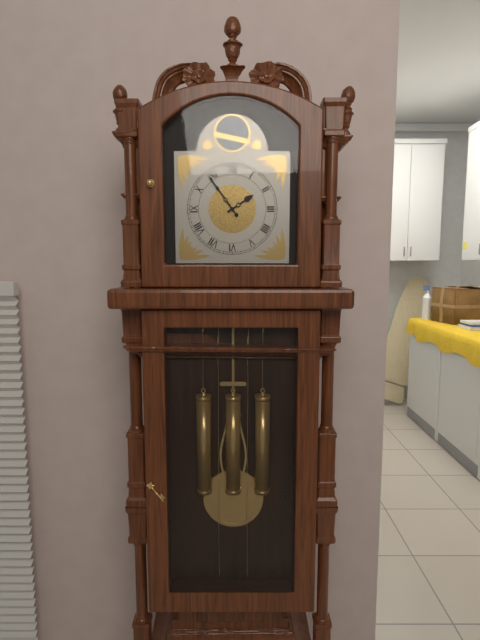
1:54
